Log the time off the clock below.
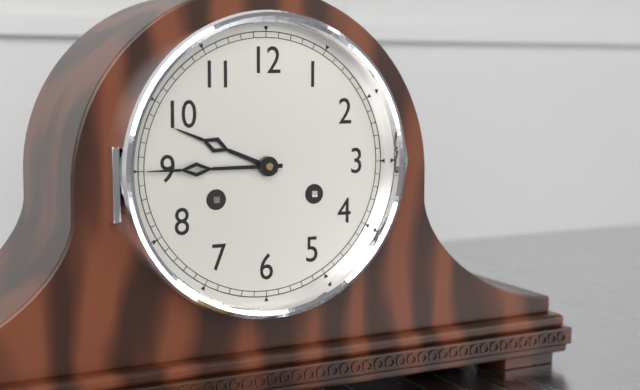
9:45
